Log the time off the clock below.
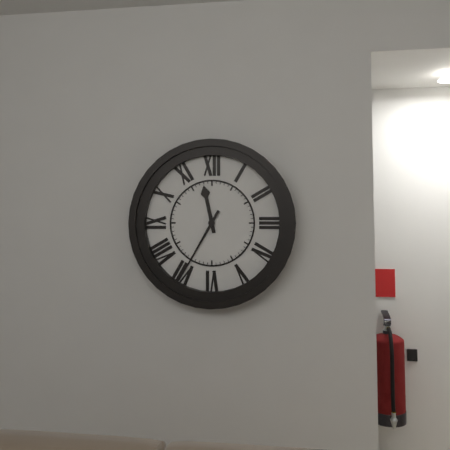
11:35
